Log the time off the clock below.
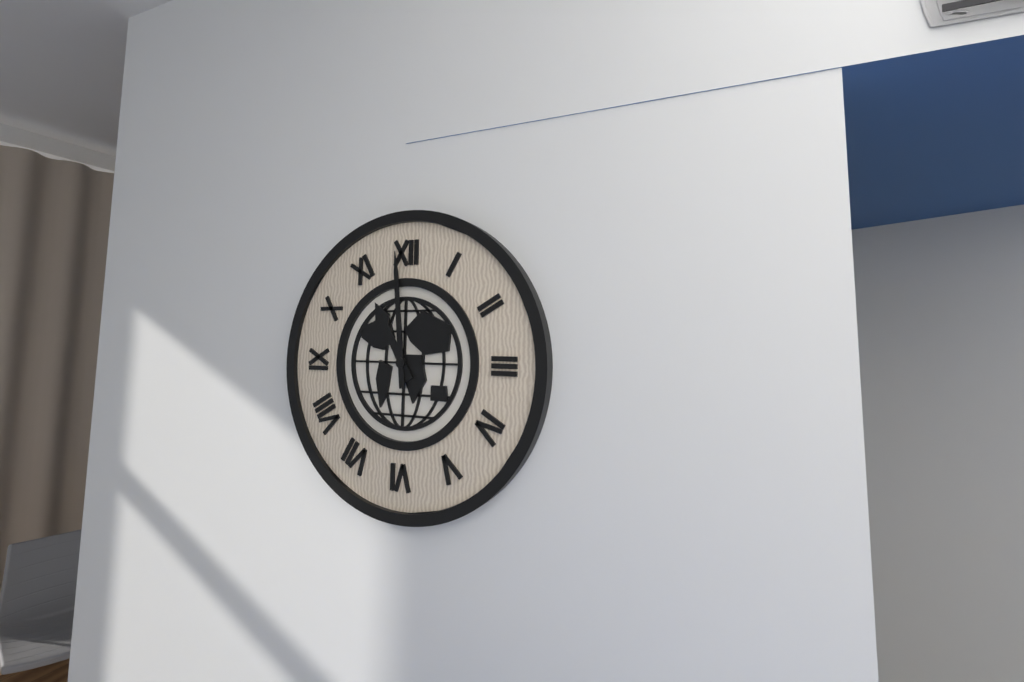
10:59
